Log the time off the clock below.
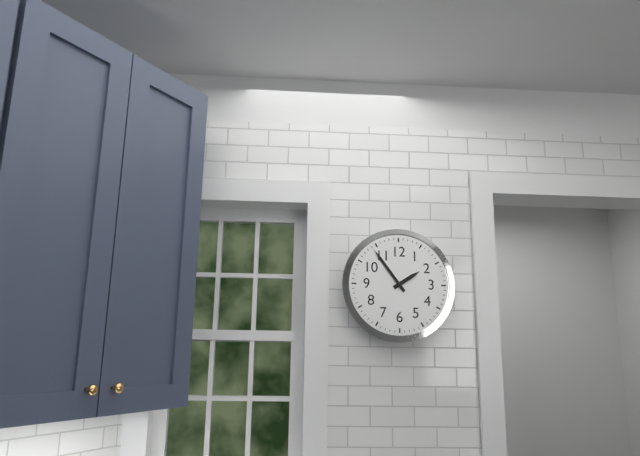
1:54
